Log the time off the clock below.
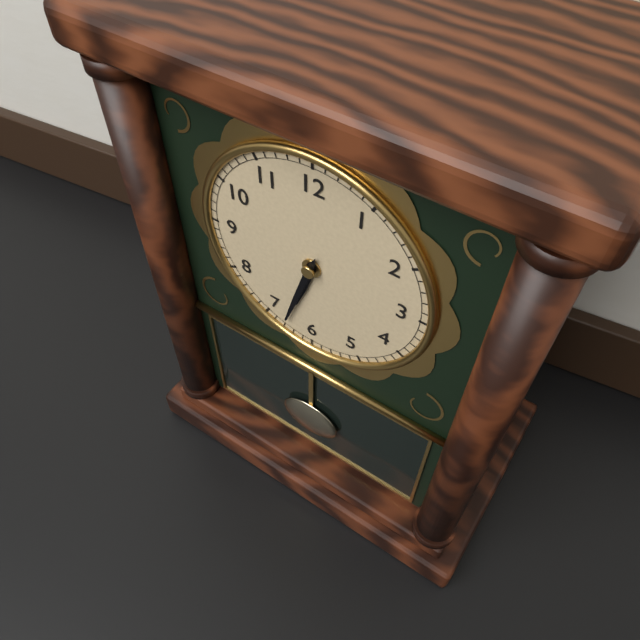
6:33
